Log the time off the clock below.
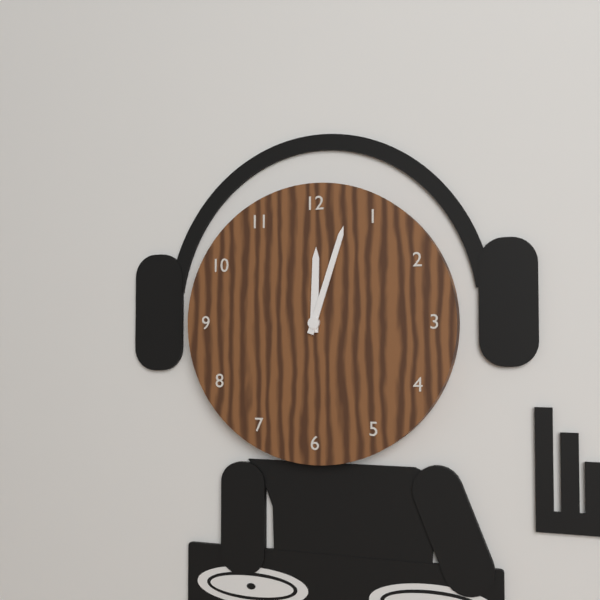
12:03
